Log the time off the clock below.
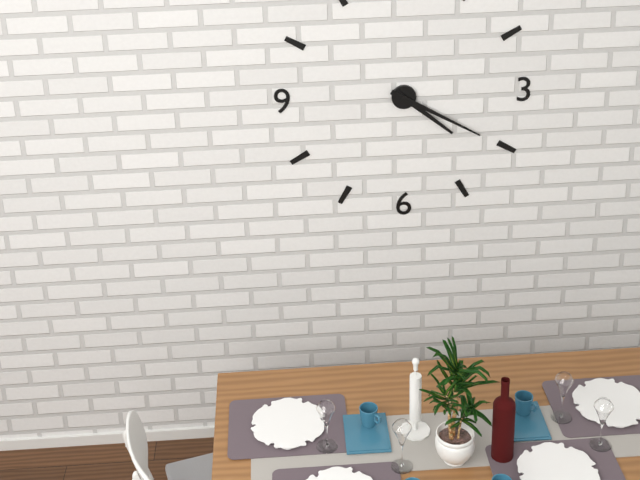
4:20
